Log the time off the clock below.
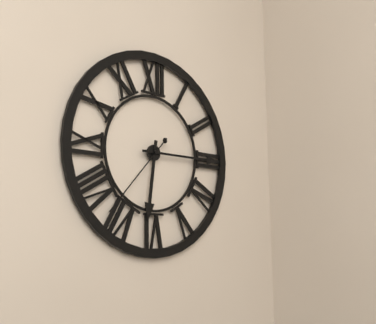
6:15:37
